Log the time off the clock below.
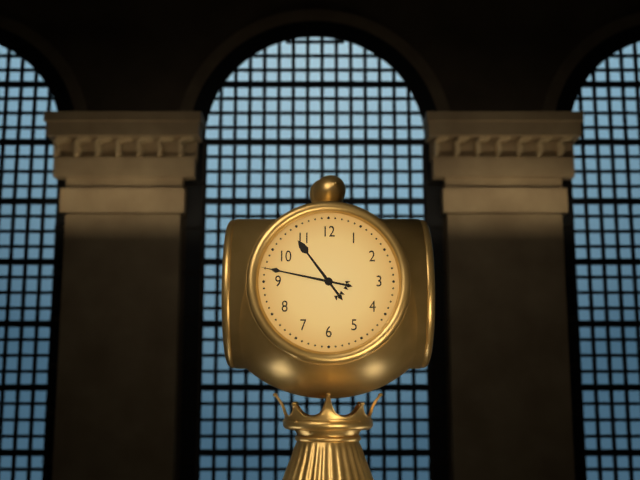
10:47
